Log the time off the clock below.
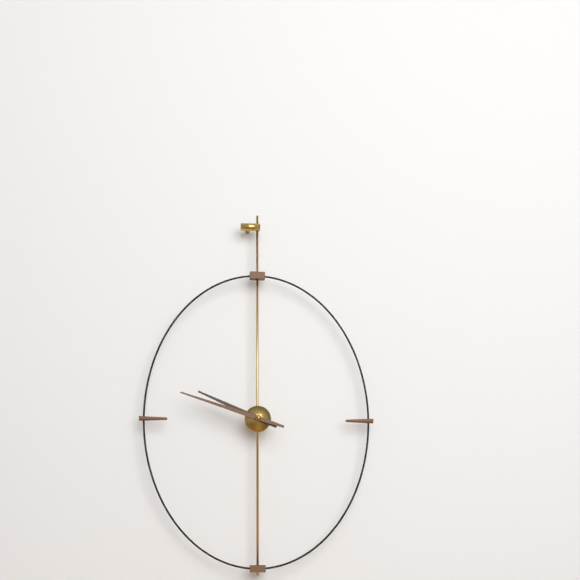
9:48
